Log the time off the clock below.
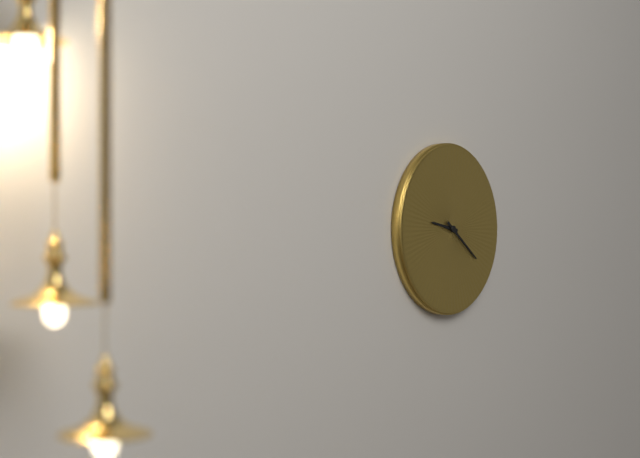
9:21
